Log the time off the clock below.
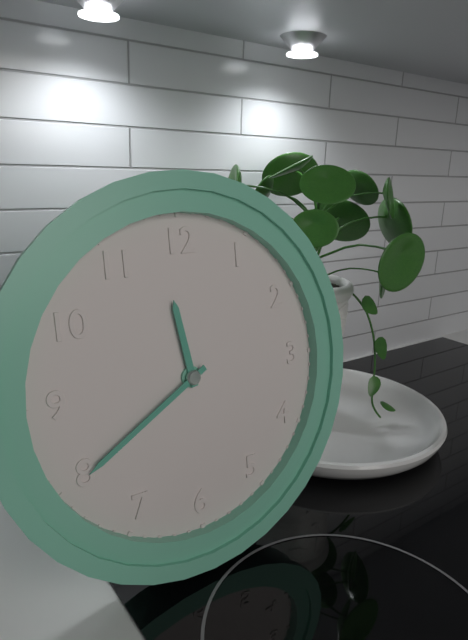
11:40
